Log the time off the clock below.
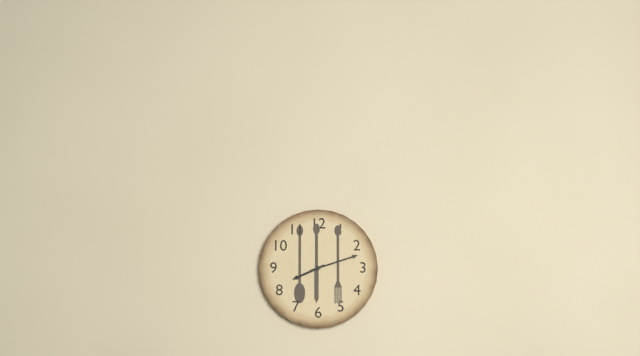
8:12
